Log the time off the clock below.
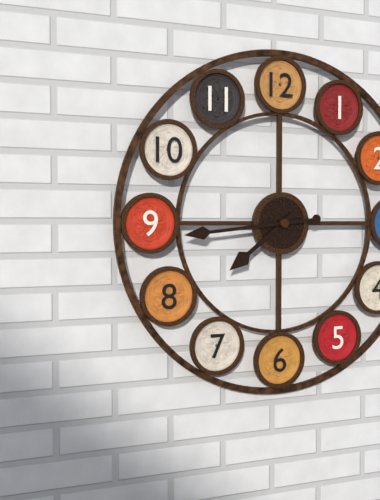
7:44
